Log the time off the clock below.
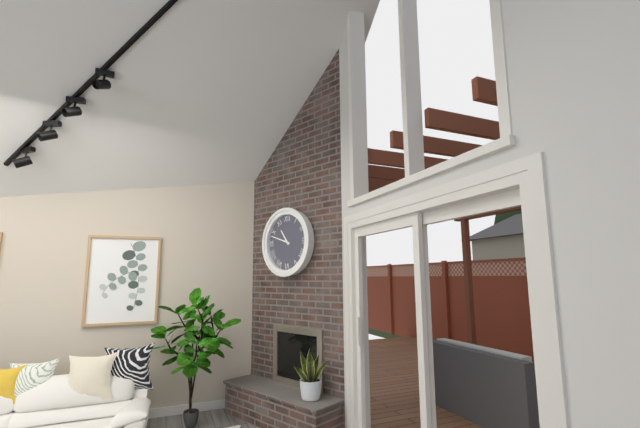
10:48
